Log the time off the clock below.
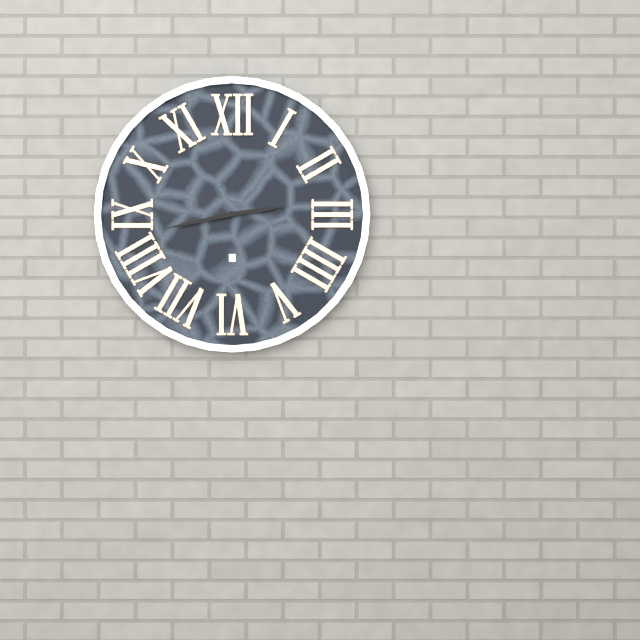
2:43
